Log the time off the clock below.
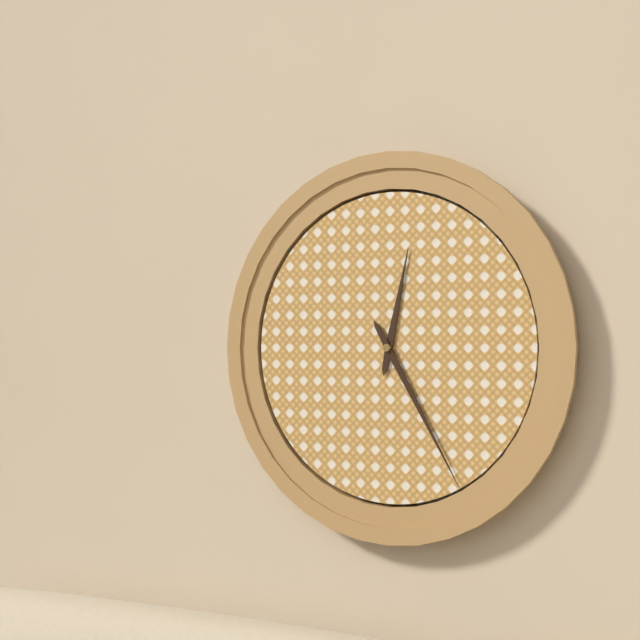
12:25
